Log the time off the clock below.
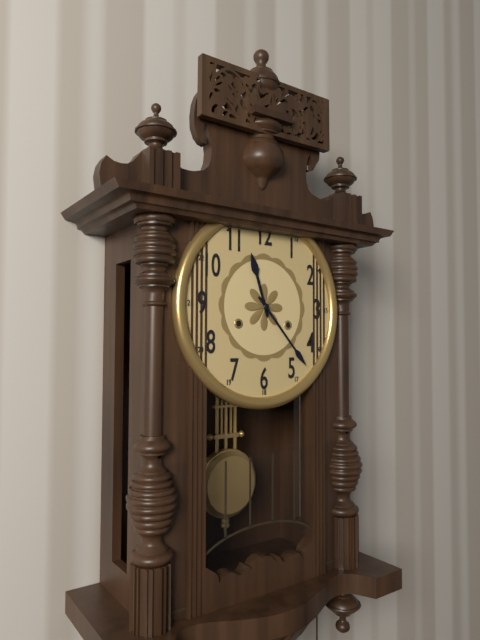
11:23
